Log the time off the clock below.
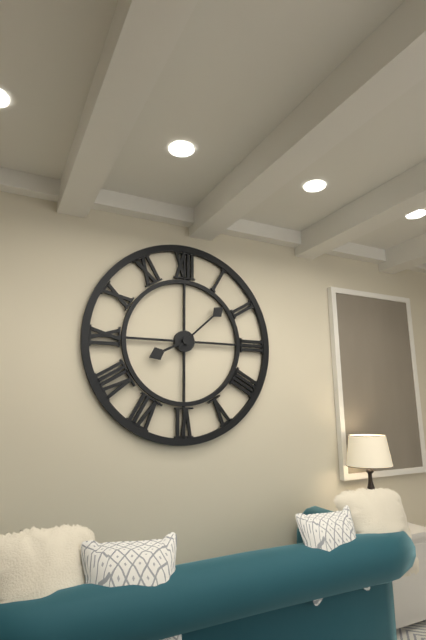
8:08
